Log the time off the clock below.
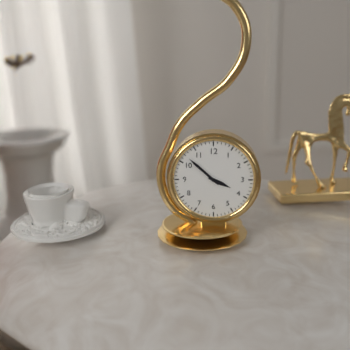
3:52
